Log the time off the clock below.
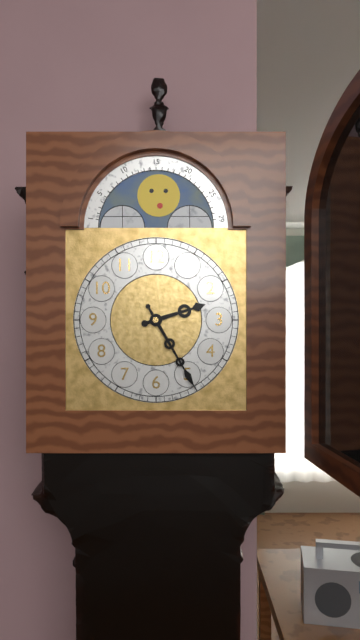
2:25
